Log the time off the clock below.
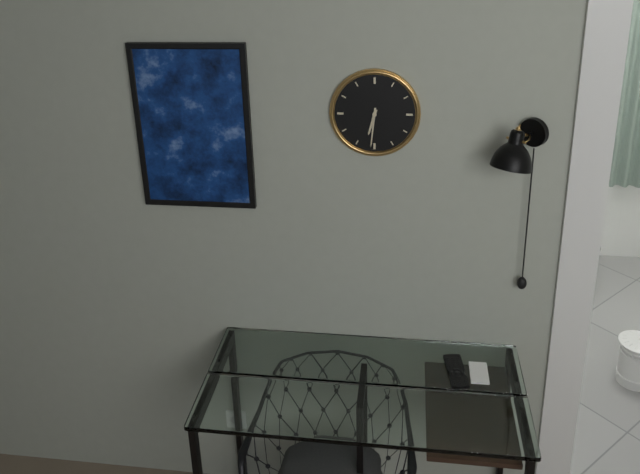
6:31
